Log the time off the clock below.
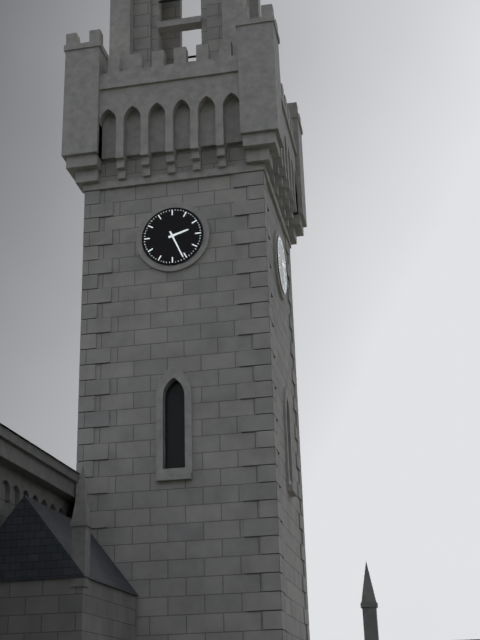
2:26
